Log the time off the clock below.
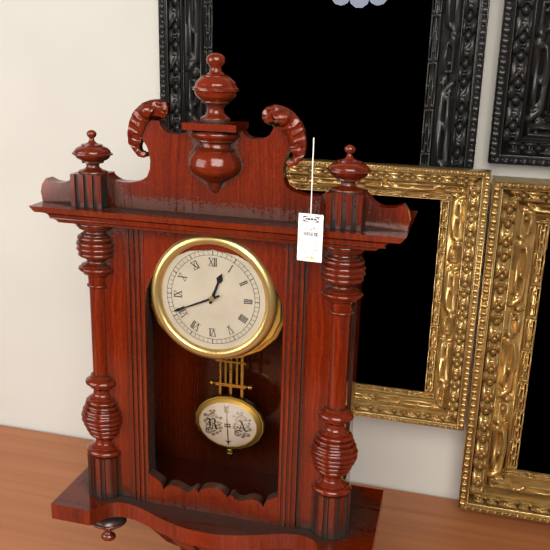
12:41
